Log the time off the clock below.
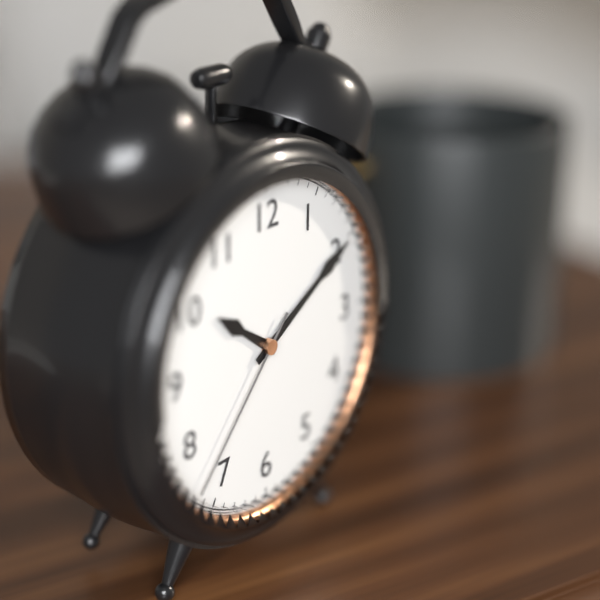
10:10:37
